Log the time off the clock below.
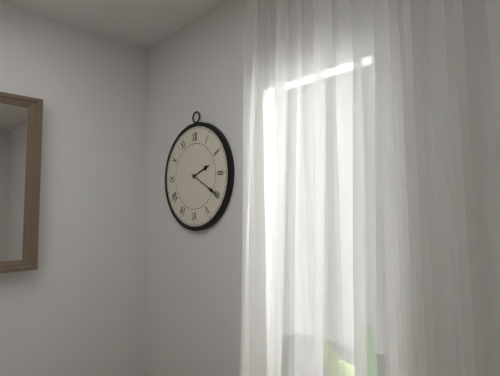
2:20
